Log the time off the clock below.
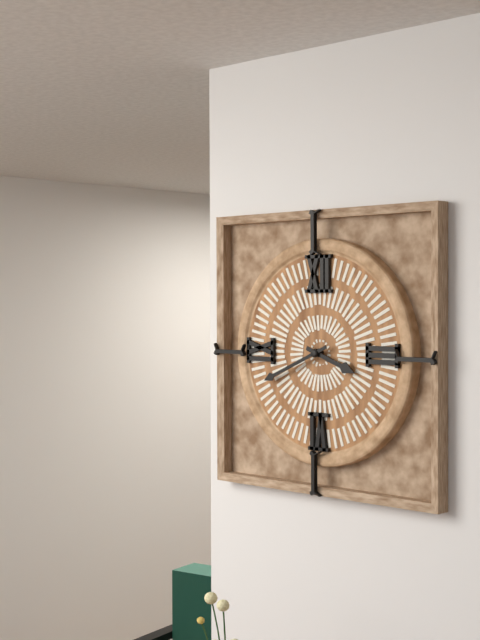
3:41
